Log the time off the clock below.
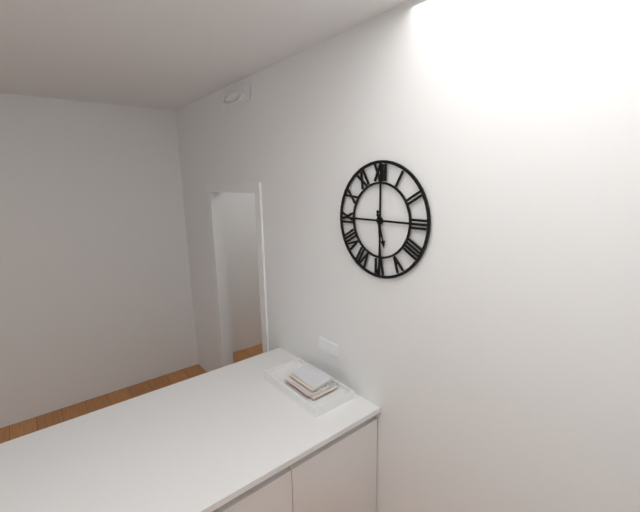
5:29
